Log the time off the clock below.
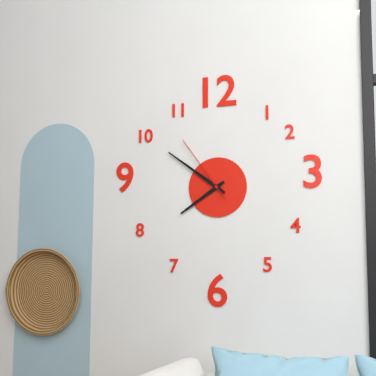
7:51:54
